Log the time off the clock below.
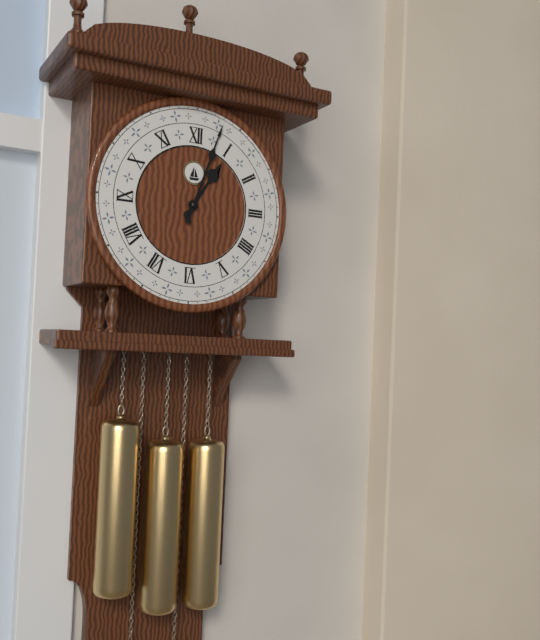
1:03
